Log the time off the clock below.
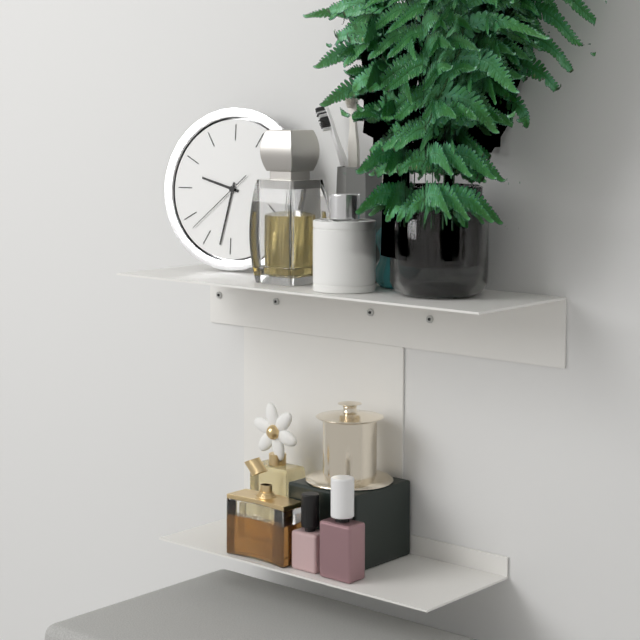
9:32:38
